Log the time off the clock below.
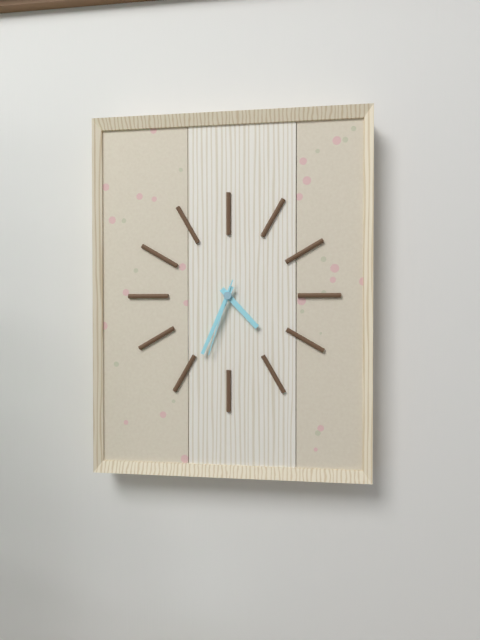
4:34:33
